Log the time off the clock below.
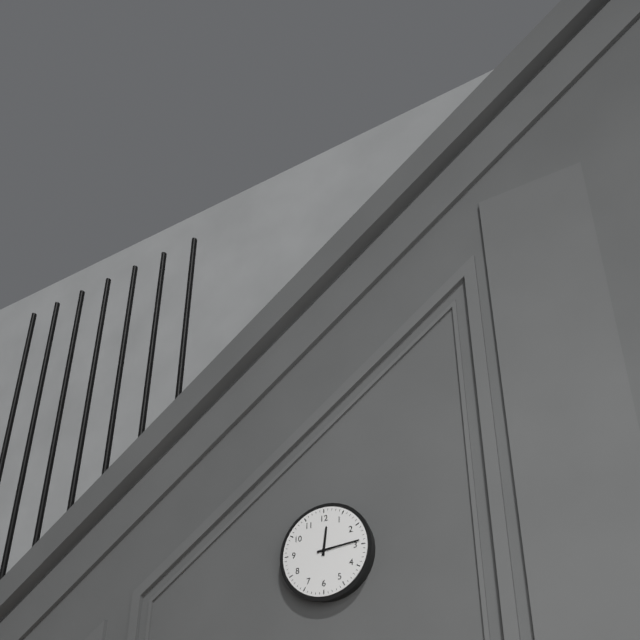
12:14
